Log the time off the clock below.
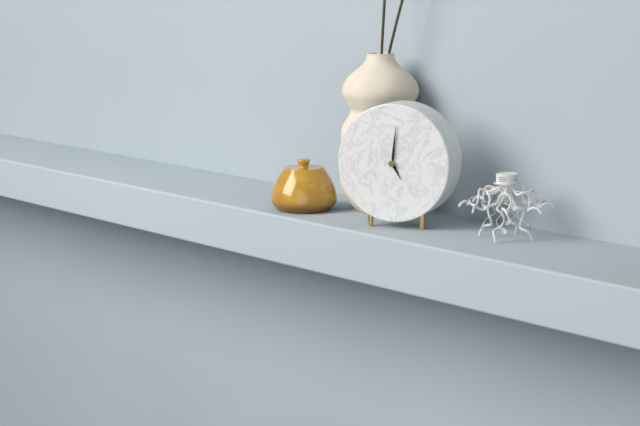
5:01
